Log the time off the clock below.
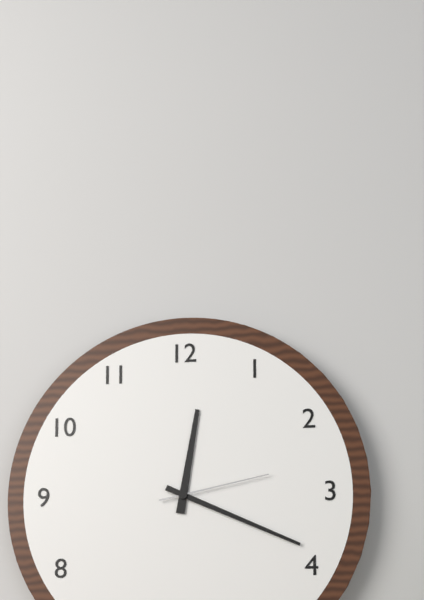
12:19:13
